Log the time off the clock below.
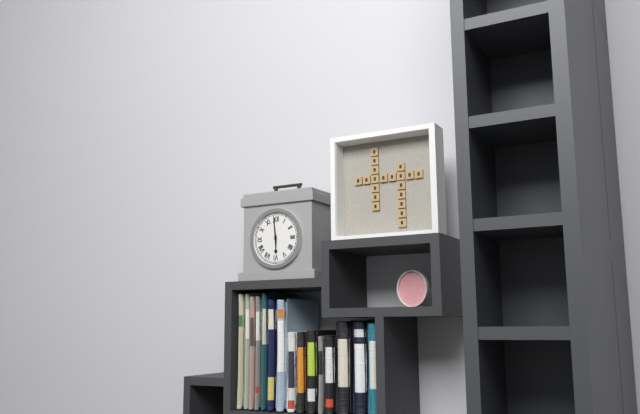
5:59
